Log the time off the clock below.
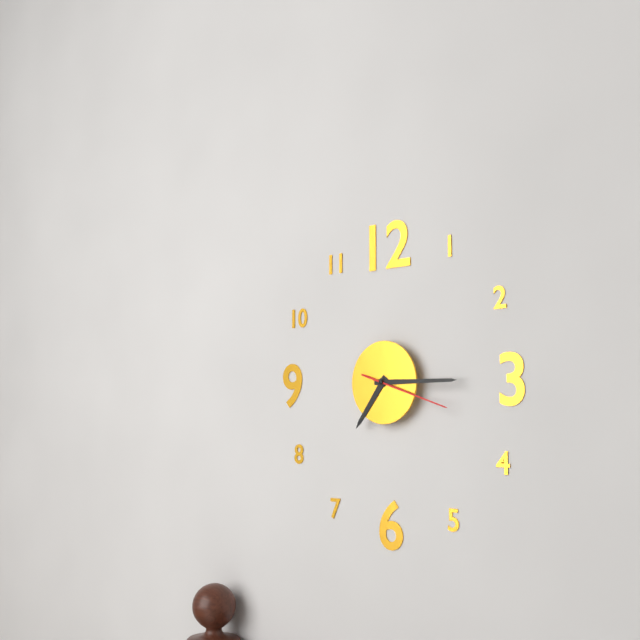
7:15:18
